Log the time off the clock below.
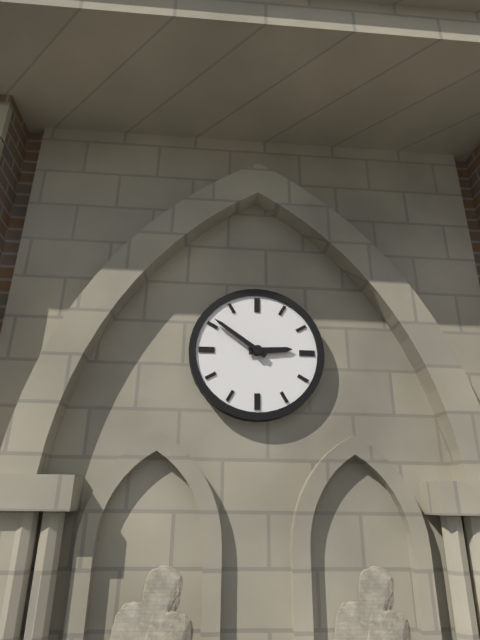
2:51
